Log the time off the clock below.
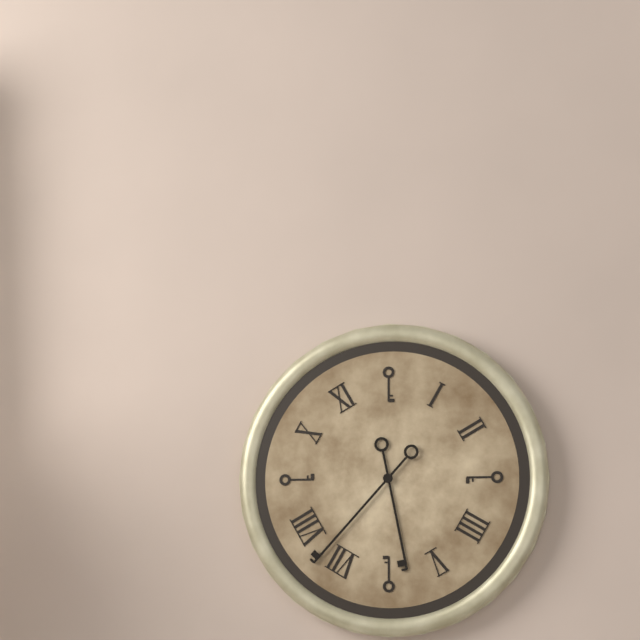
5:37
